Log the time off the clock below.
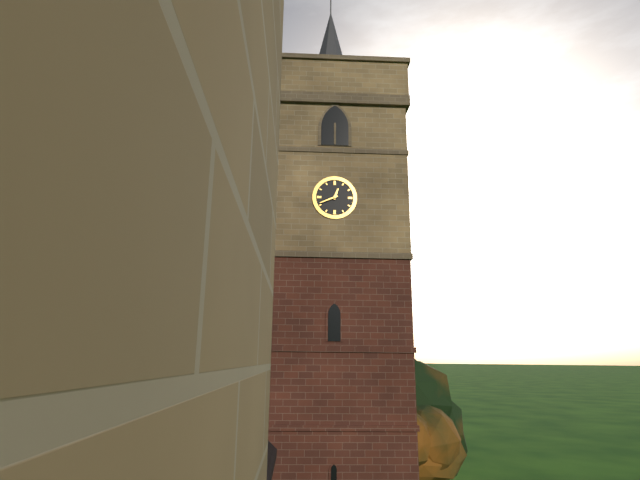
12:41
